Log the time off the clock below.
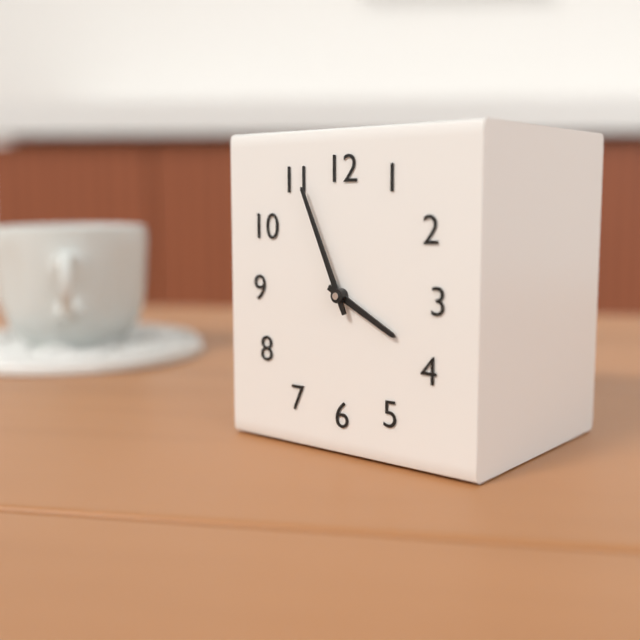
3:56
